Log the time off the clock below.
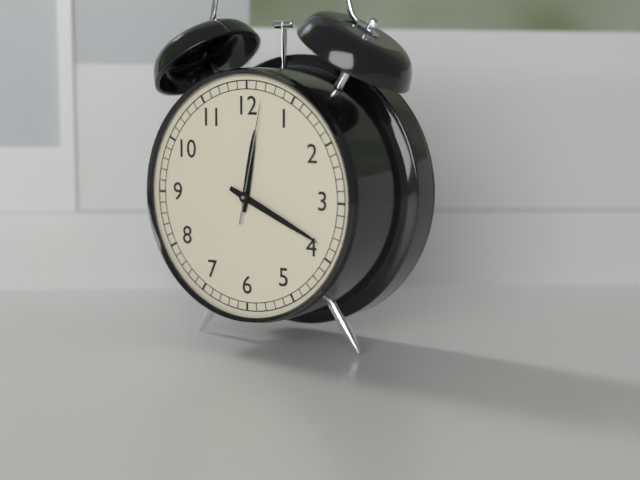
12:19:02
